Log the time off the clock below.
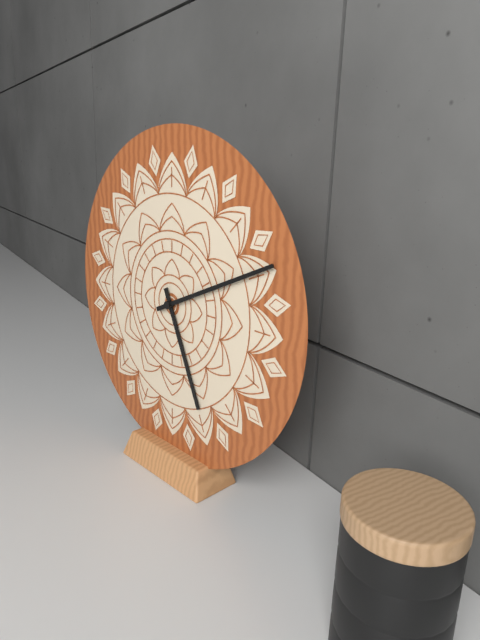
5:11
